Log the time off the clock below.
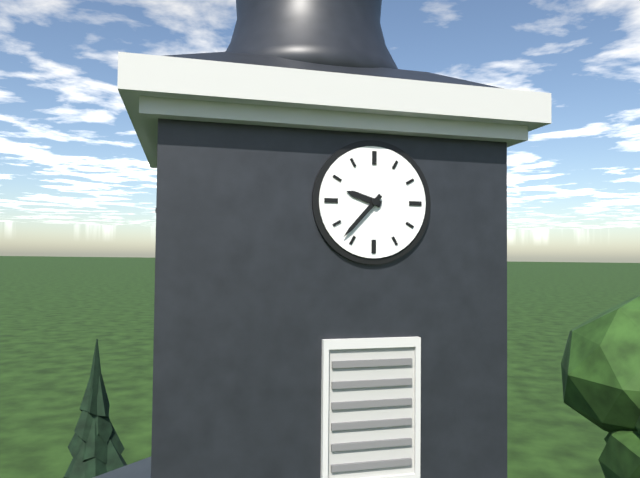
9:37
